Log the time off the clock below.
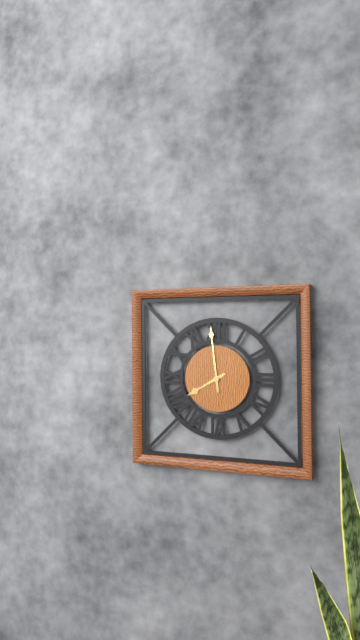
7:59
